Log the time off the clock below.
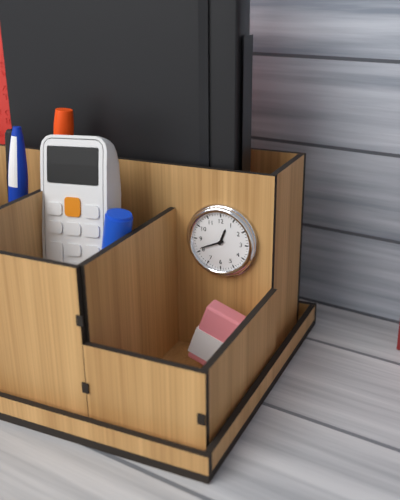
12:41
